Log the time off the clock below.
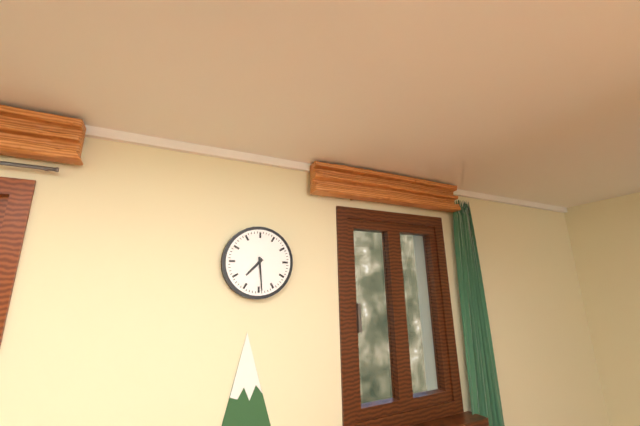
7:29
